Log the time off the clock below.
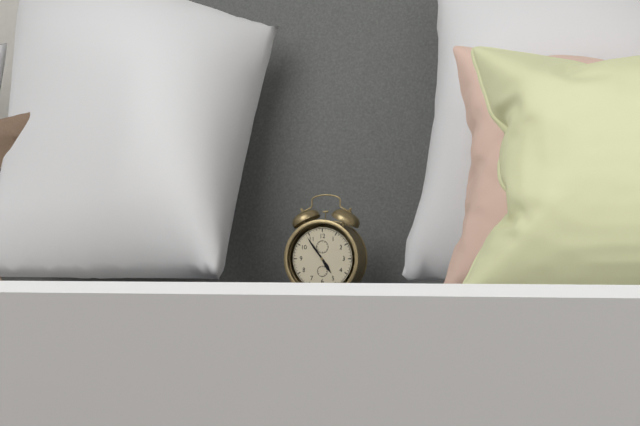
4:54
